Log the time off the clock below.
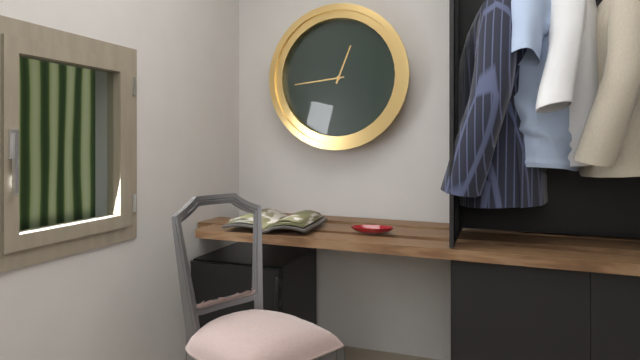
12:44
